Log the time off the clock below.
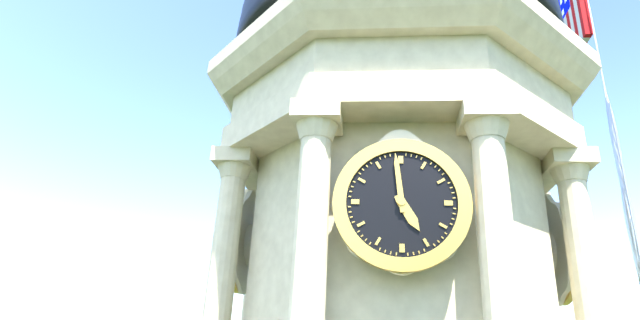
4:59
